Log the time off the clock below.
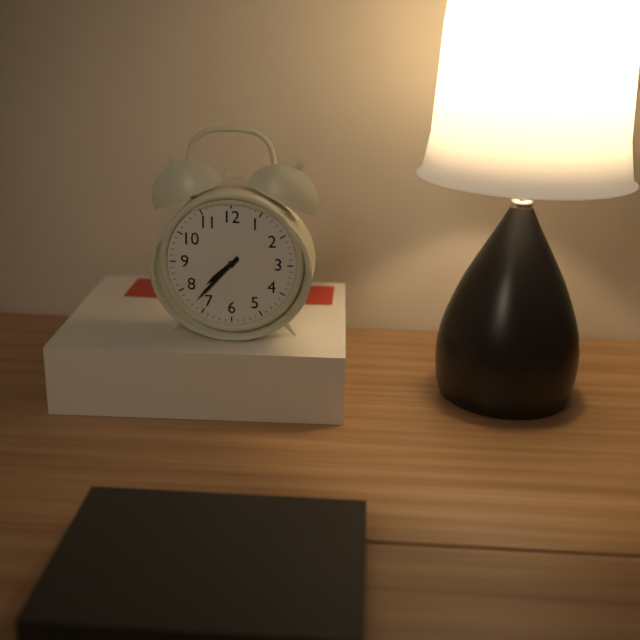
7:37
